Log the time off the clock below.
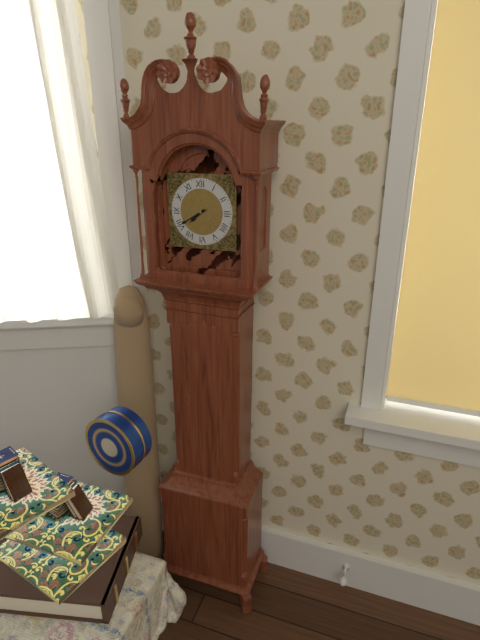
7:40
